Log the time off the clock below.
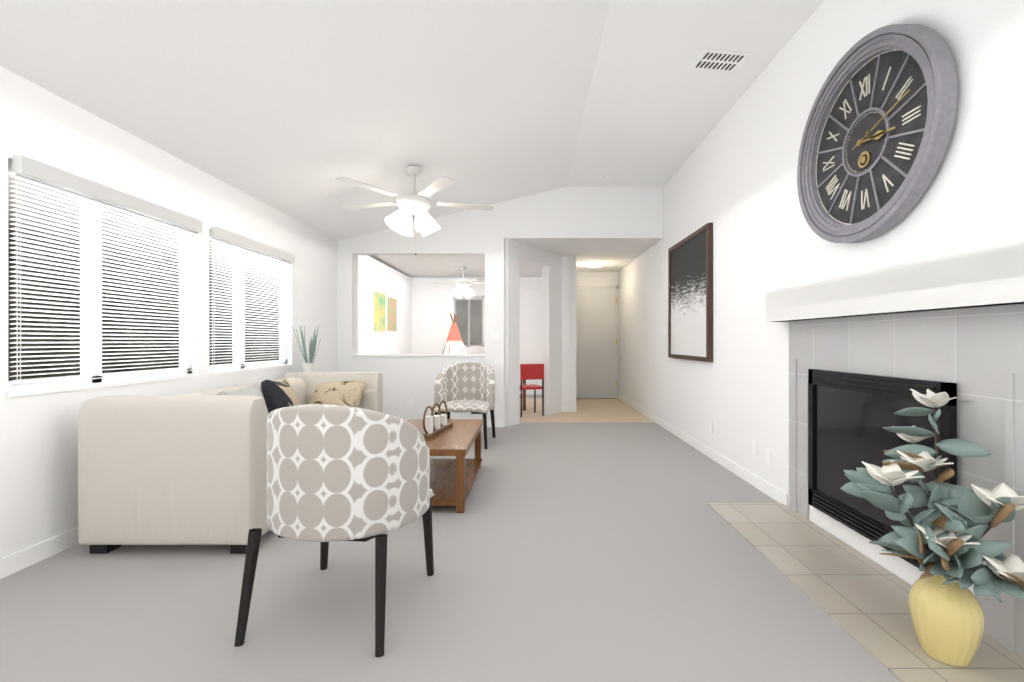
3:12
